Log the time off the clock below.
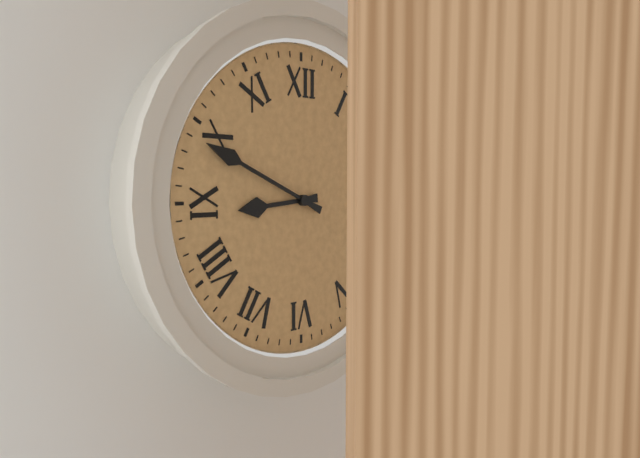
8:49
